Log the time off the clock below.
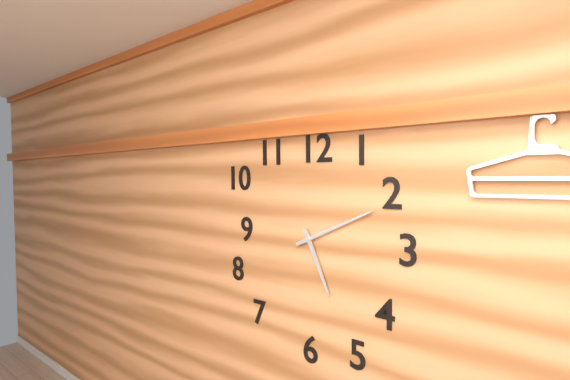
5:11
